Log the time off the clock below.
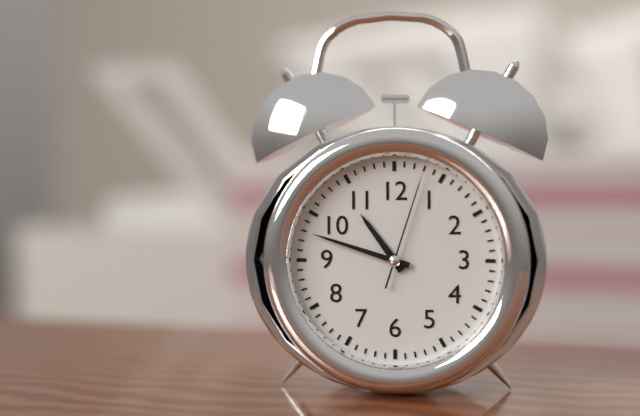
10:48:03
